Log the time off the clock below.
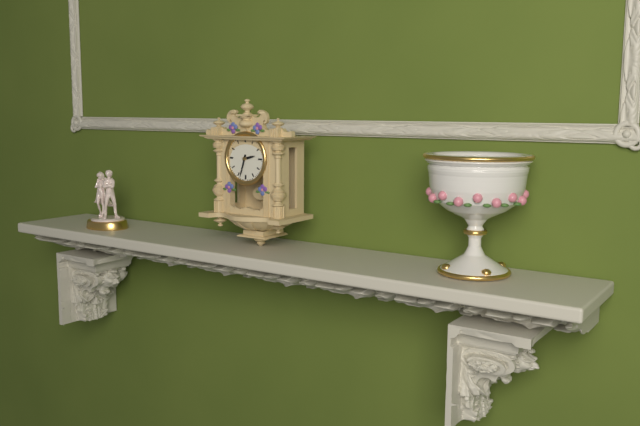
2:33
